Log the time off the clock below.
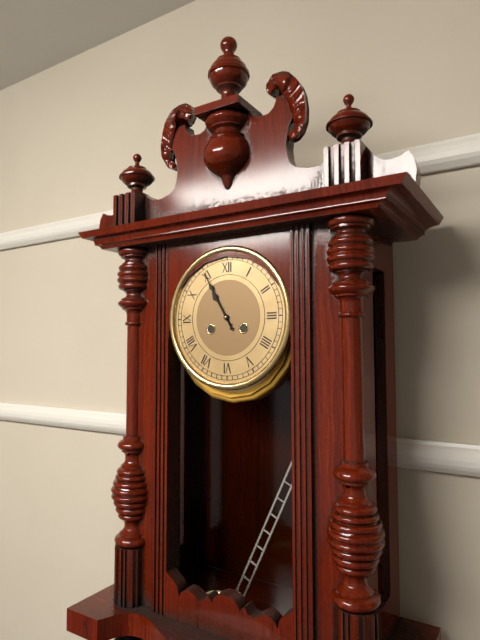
10:55
